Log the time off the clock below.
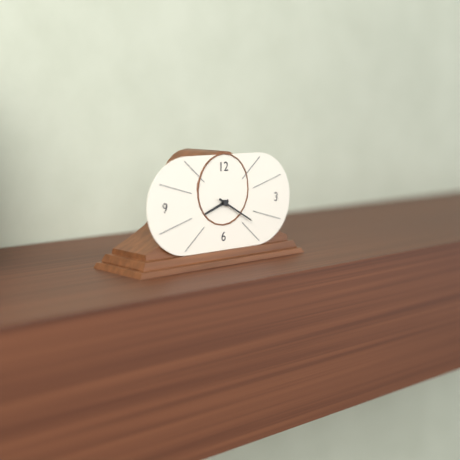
8:20
